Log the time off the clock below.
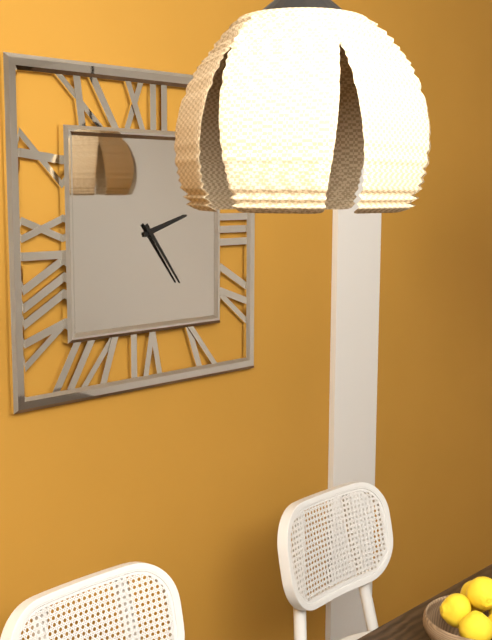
2:24
